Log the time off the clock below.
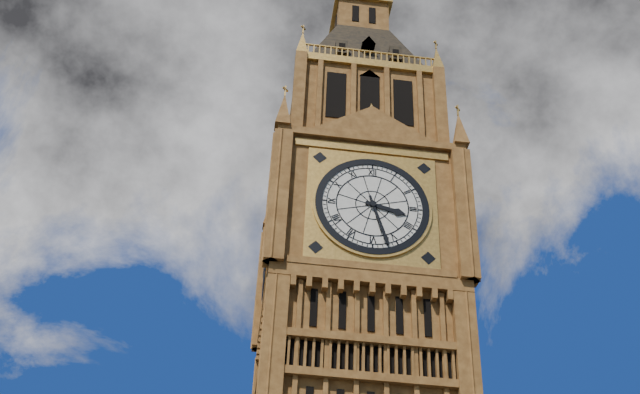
3:27
